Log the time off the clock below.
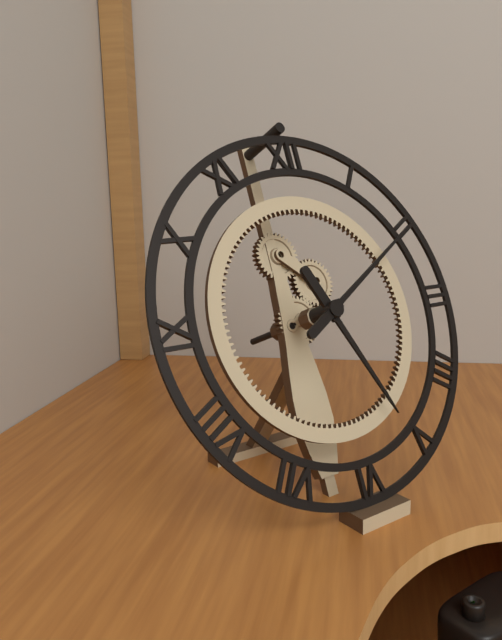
5:10
